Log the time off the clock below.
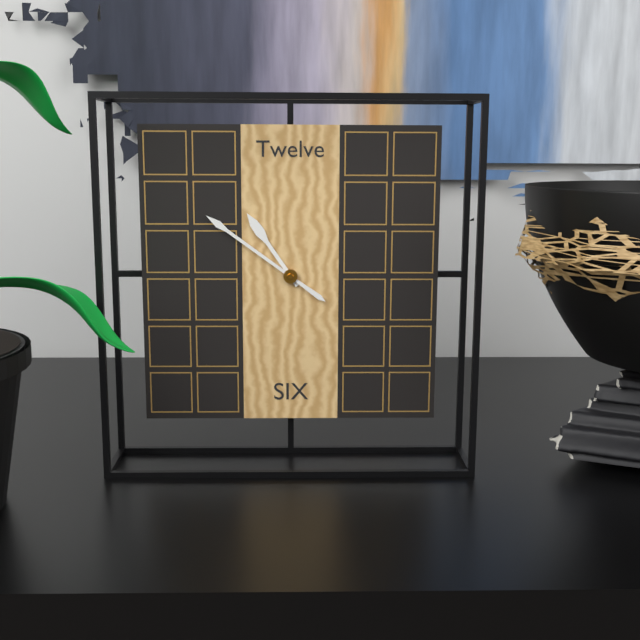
10:51
